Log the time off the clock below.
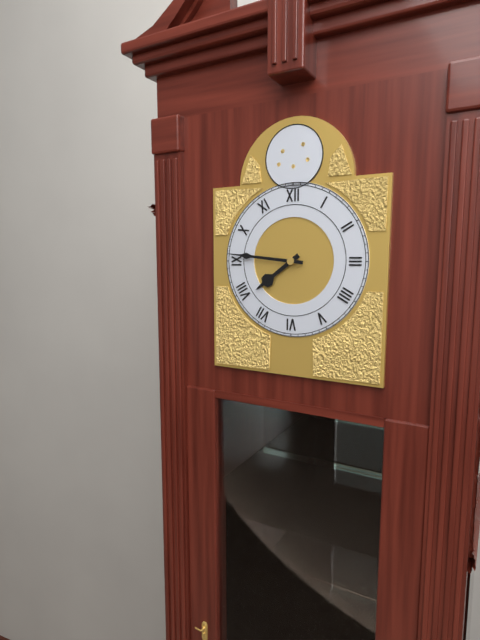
7:46
